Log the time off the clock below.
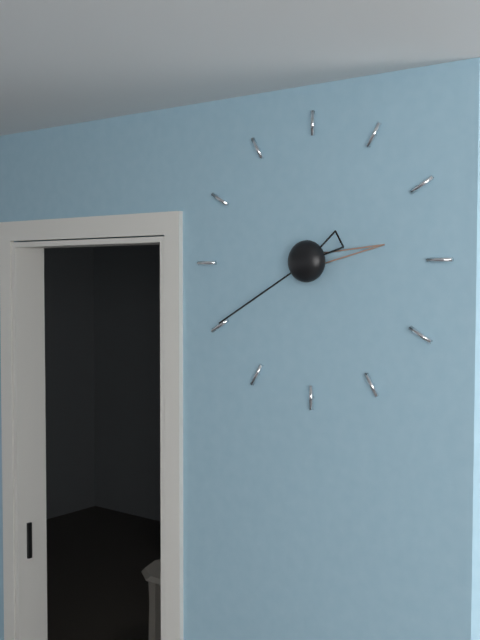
2:40
